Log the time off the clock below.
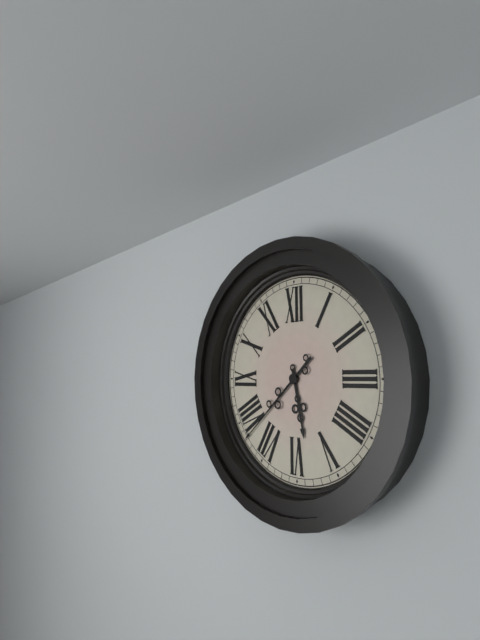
5:38
